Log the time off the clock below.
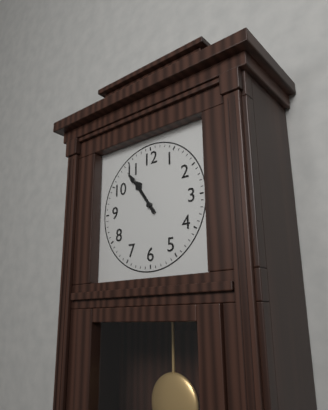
10:54
